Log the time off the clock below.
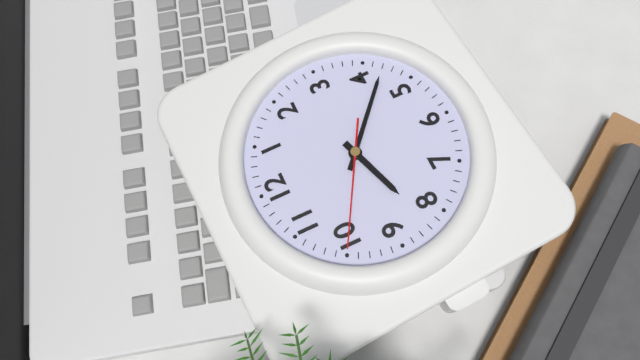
8:22:50
